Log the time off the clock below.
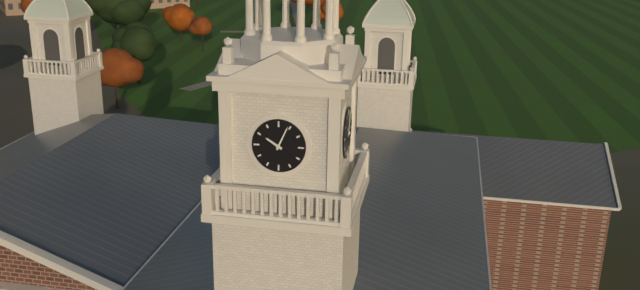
10:04
